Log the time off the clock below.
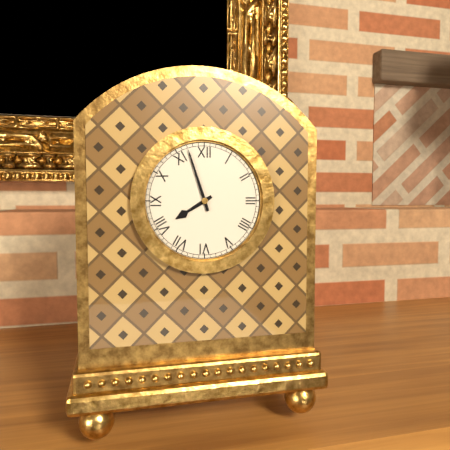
7:57
